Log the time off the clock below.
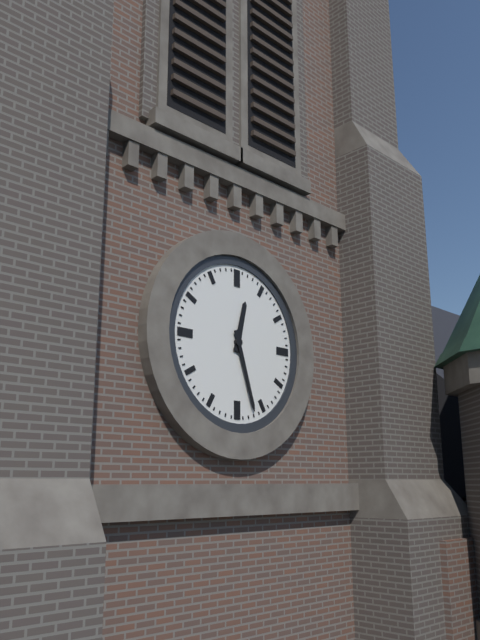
12:27
